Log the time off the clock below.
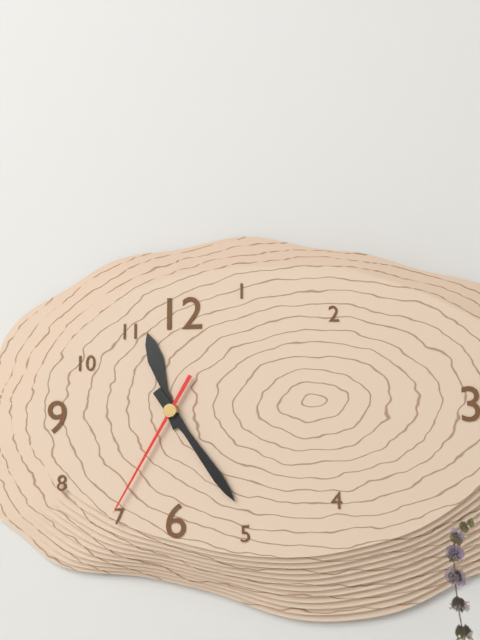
11:24:35
